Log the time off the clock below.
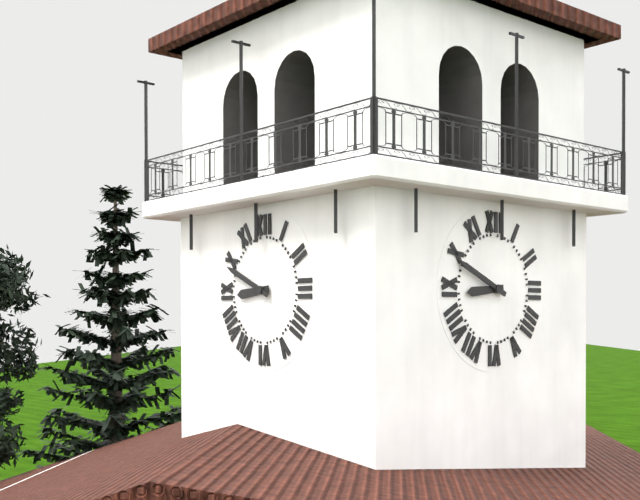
8:49
